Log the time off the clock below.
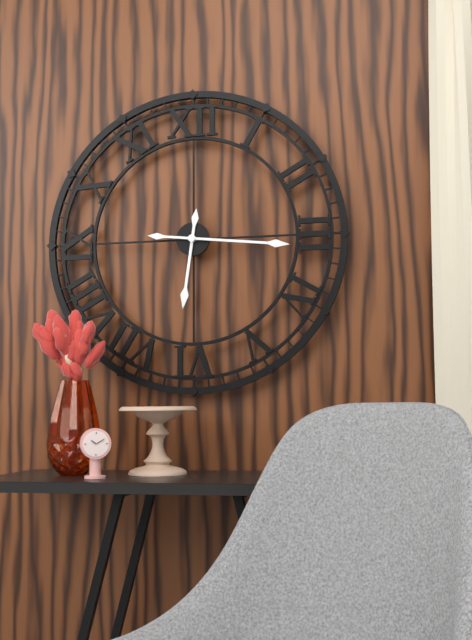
6:16
